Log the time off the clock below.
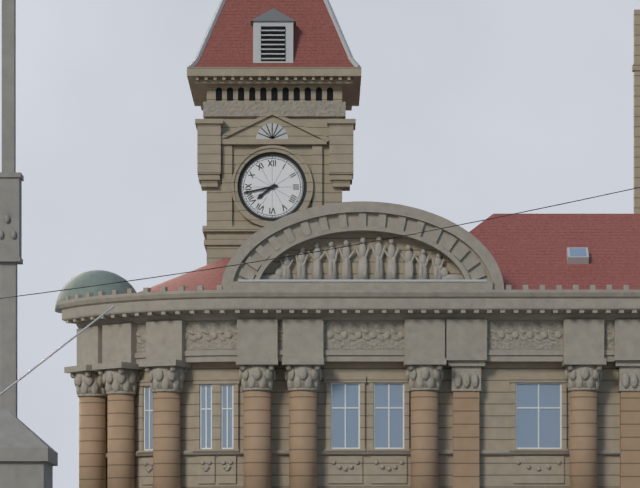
7:43
